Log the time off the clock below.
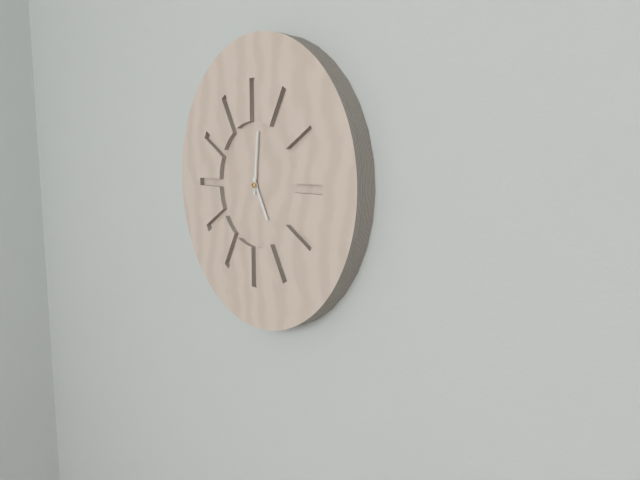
5:01
